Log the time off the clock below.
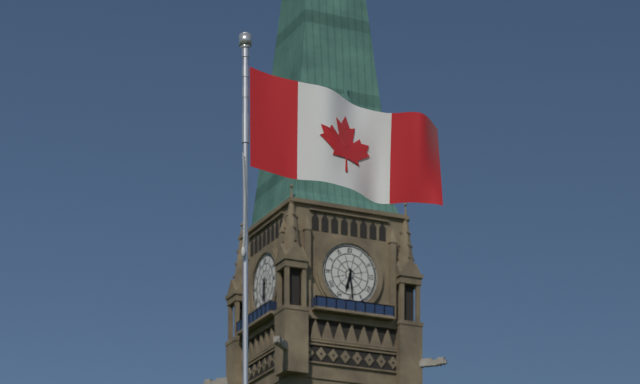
6:29
